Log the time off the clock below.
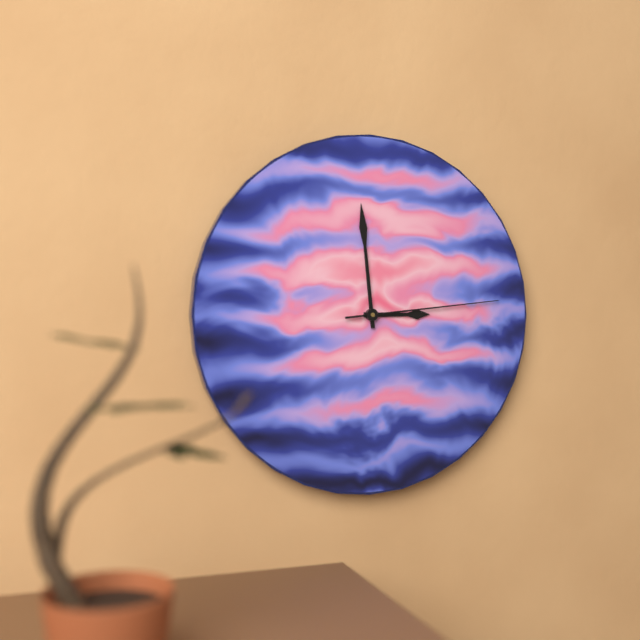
2:59:14
